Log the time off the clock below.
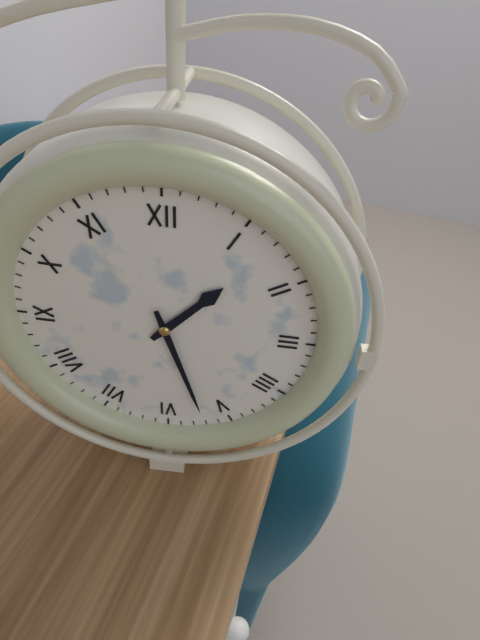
1:27
